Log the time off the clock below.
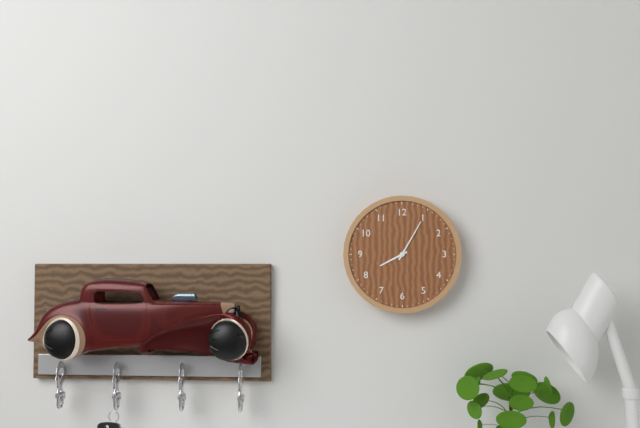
8:05
